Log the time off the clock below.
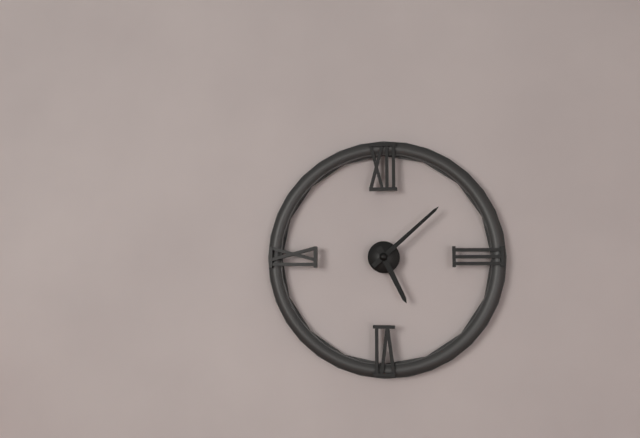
5:08
